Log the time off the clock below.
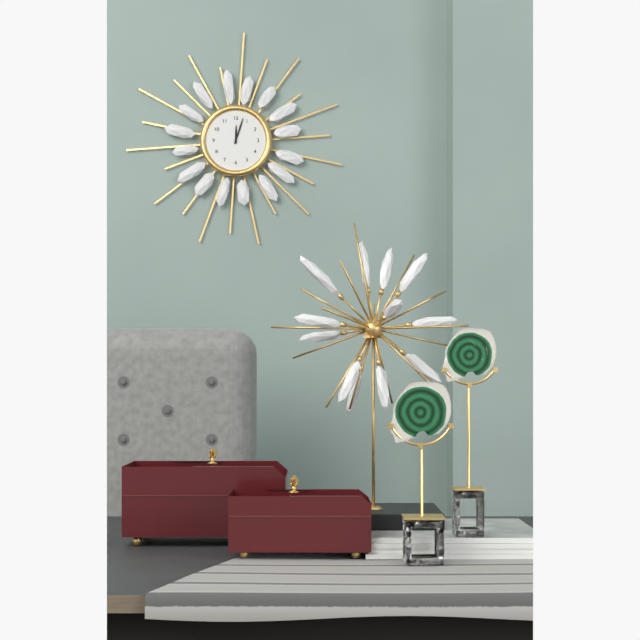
12:03
